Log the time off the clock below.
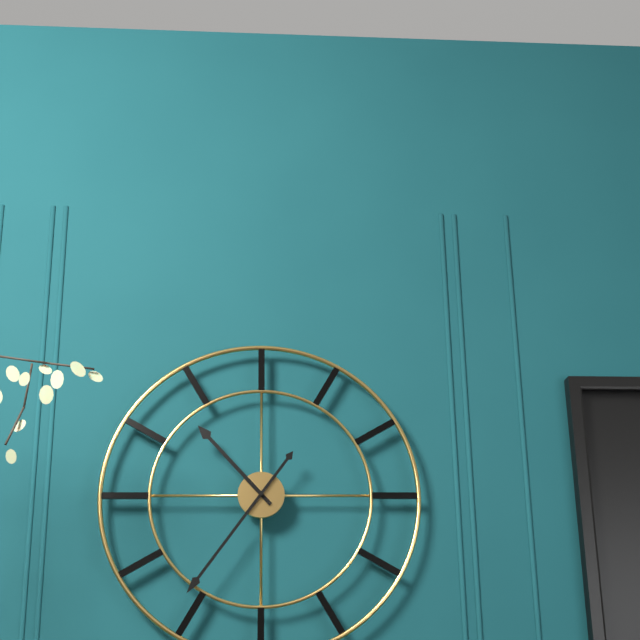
10:36
